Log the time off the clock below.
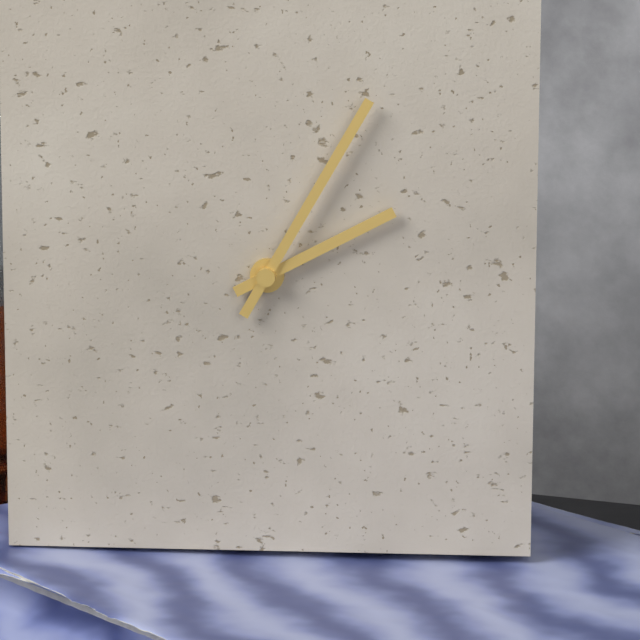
2:05
